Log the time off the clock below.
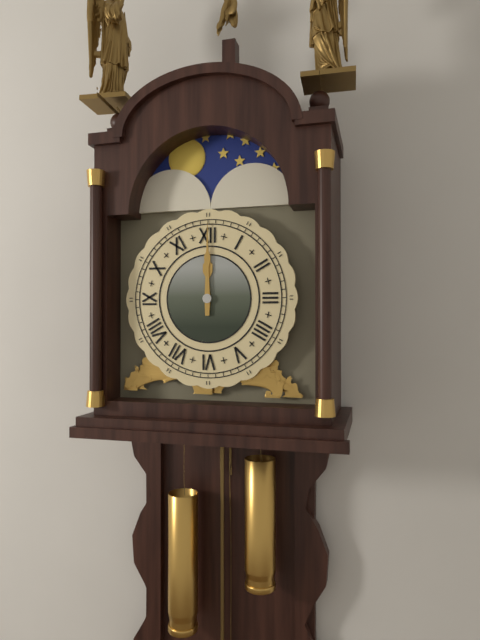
12:00
